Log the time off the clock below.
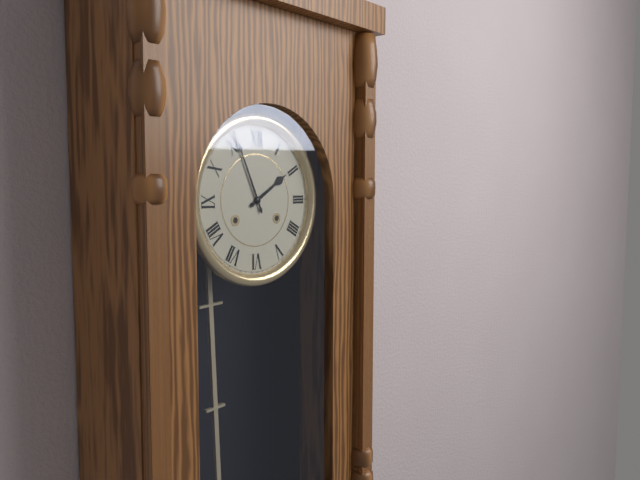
1:56
